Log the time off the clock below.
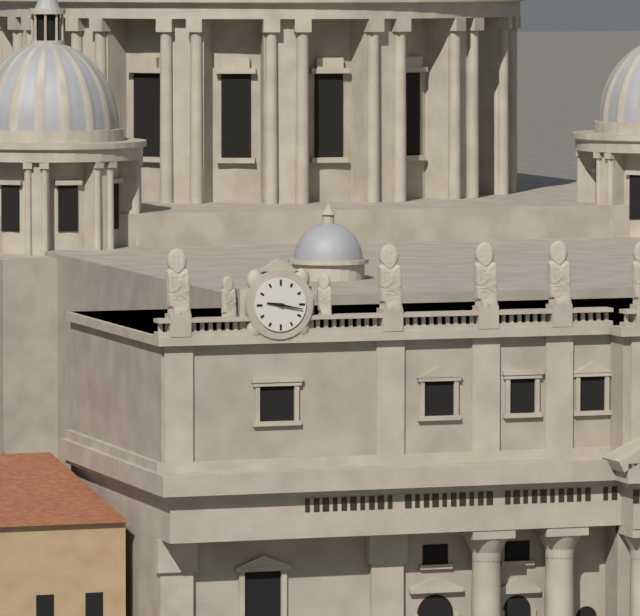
9:17
